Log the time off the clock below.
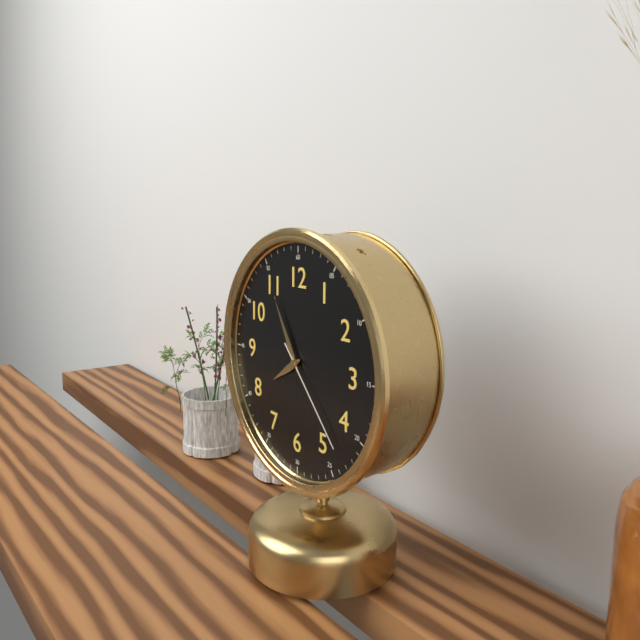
7:55:23
